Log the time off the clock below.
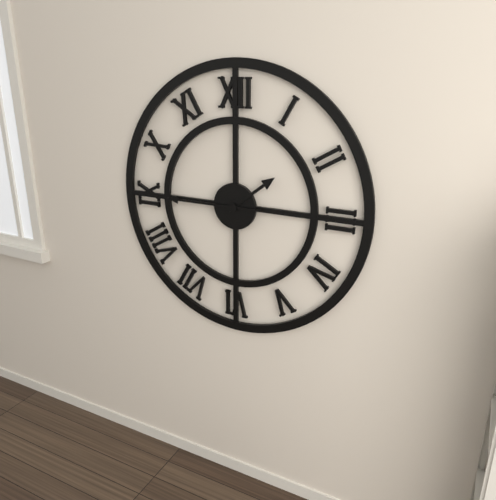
1:45
